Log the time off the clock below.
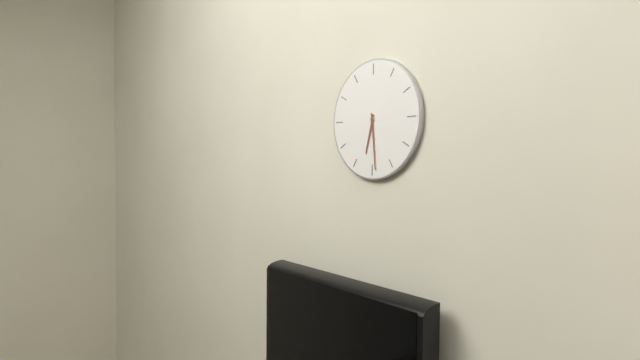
6:29
